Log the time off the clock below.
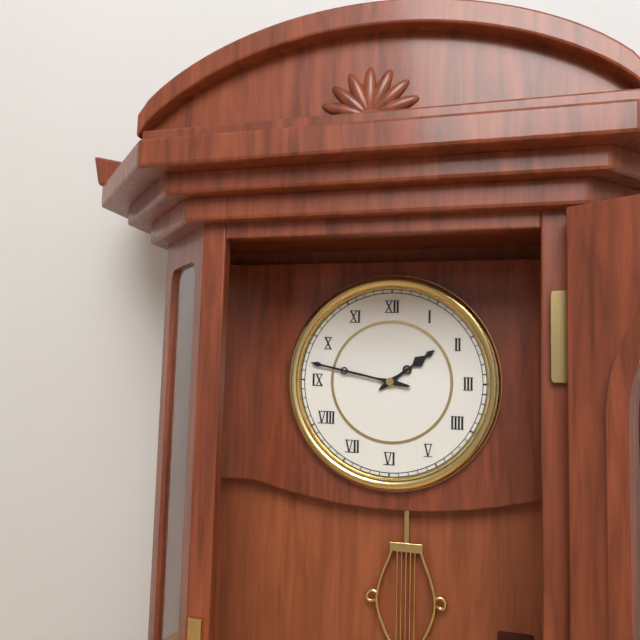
1:47
